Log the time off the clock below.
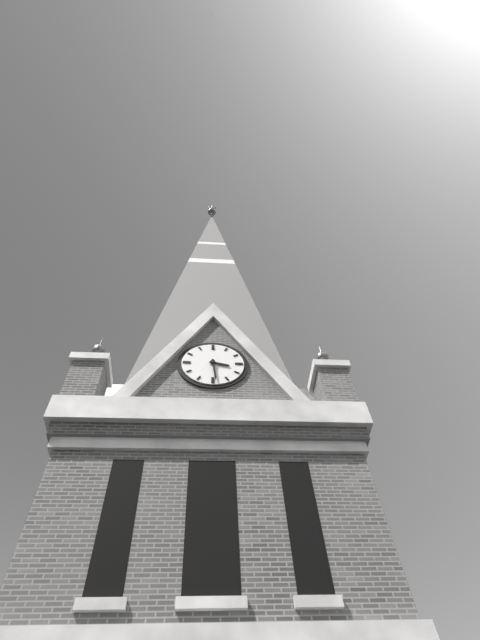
3:29
